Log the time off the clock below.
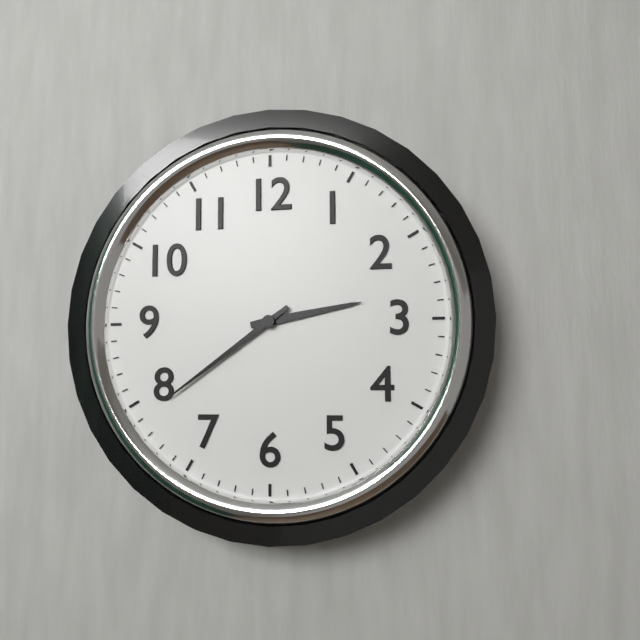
2:39
